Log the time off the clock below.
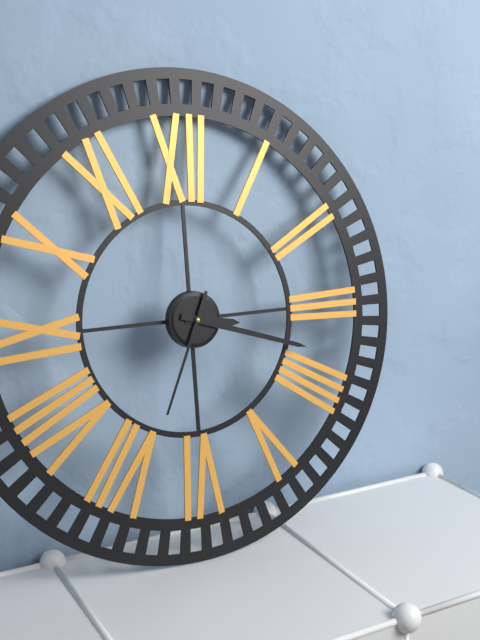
3:18:34
